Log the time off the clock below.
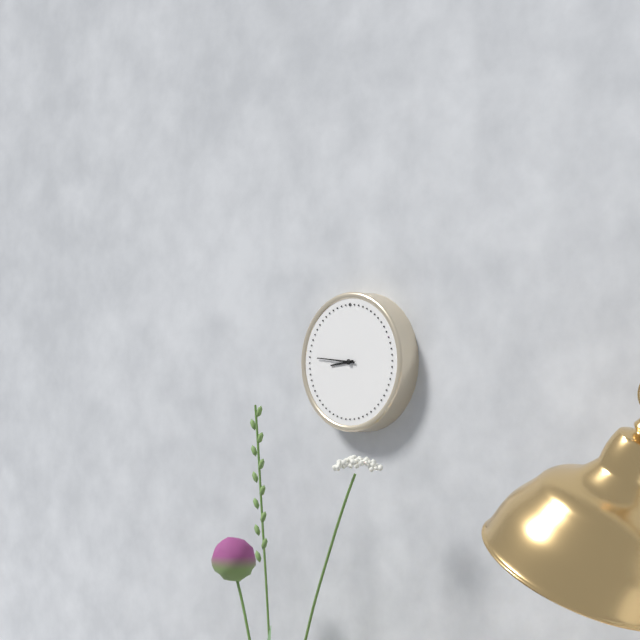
8:46
